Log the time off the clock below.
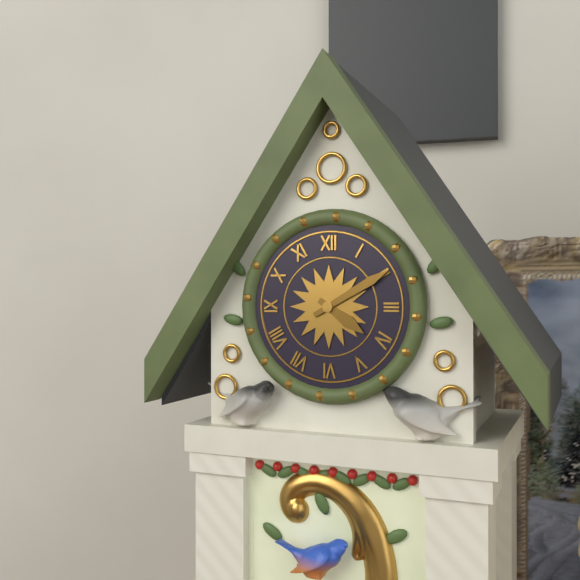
4:10
